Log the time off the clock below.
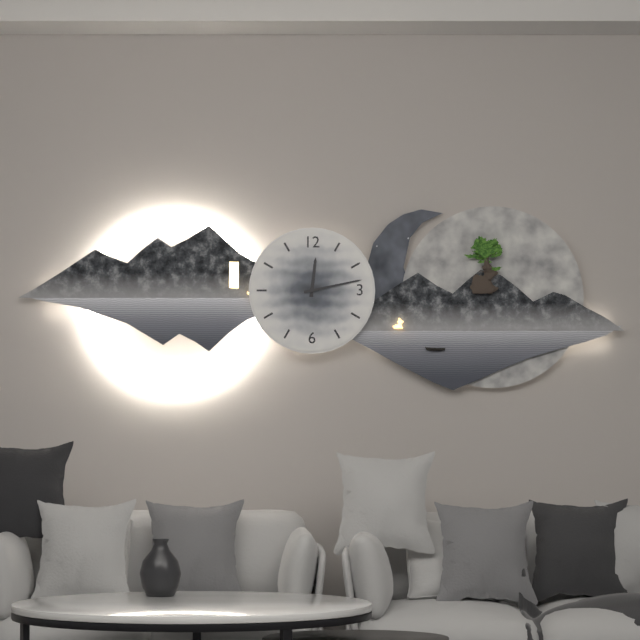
12:13
